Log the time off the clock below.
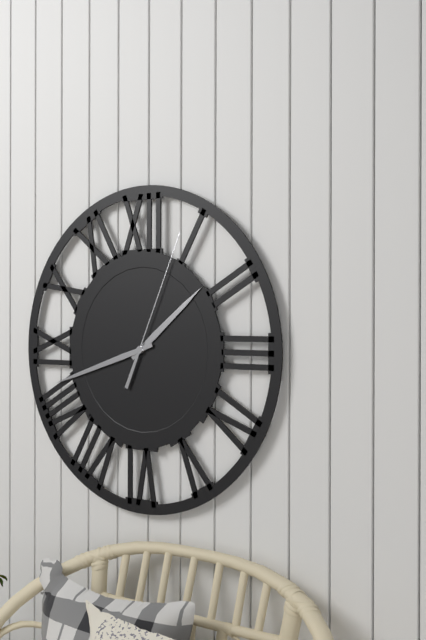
1:42:04
